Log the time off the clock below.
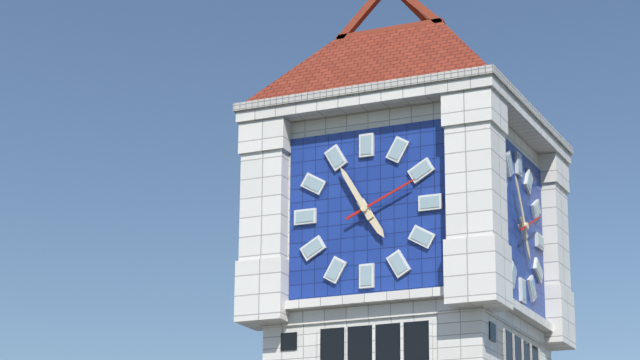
4:55:11
